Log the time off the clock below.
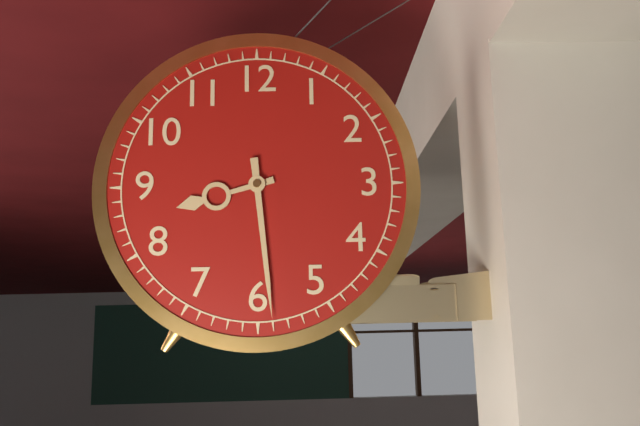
8:29
